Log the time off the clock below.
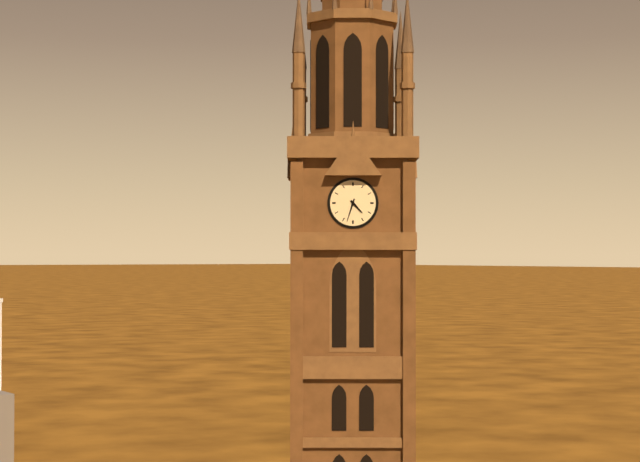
4:33
